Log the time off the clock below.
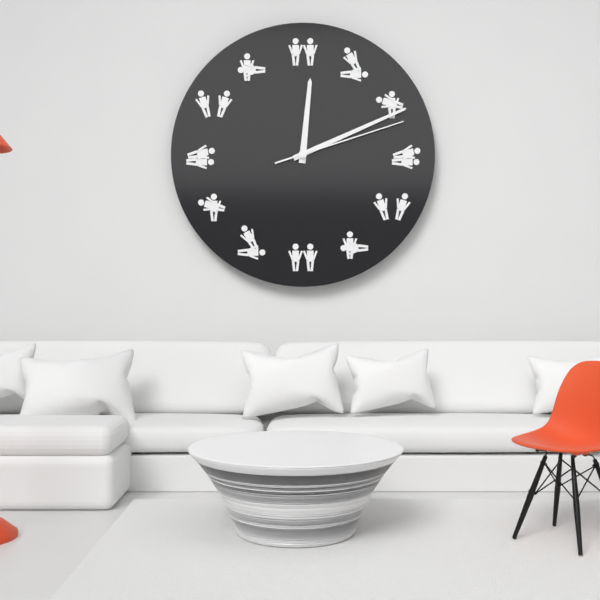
12:11:12
